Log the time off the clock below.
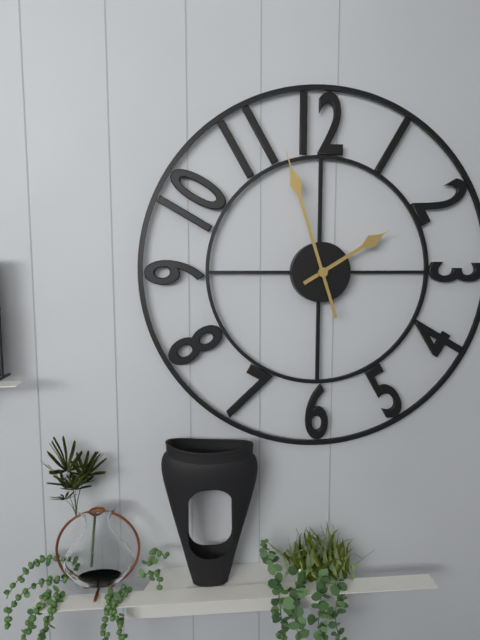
1:57
